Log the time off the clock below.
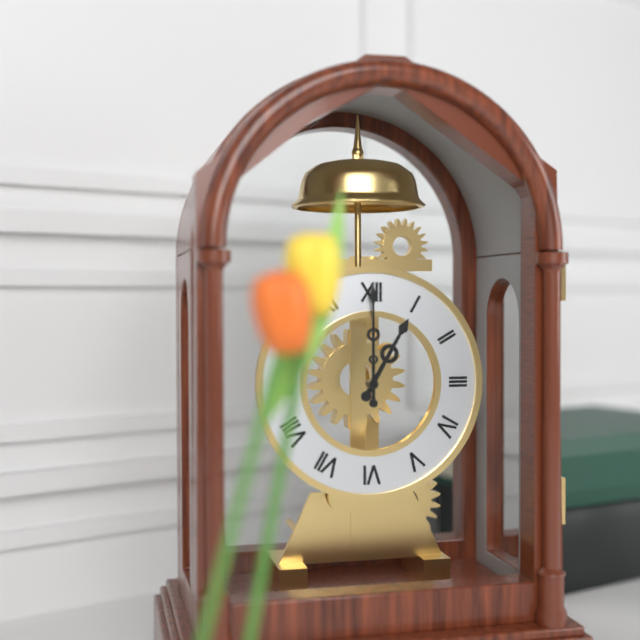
1:00
